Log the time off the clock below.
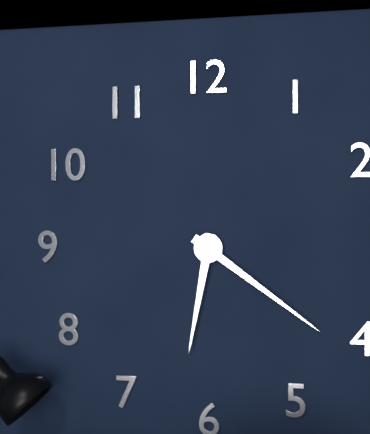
6:21
